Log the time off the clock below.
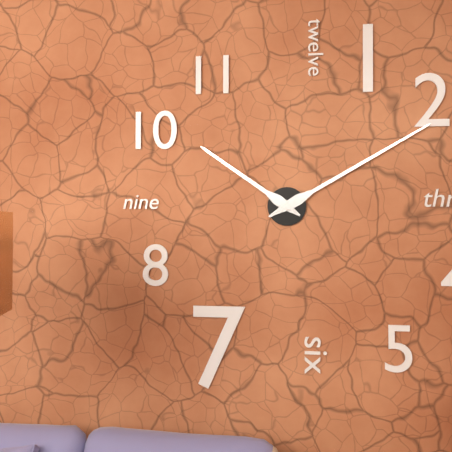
10:10
